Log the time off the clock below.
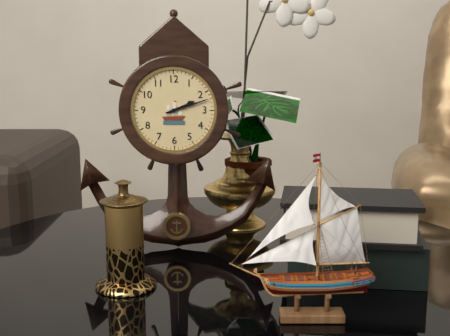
2:12
